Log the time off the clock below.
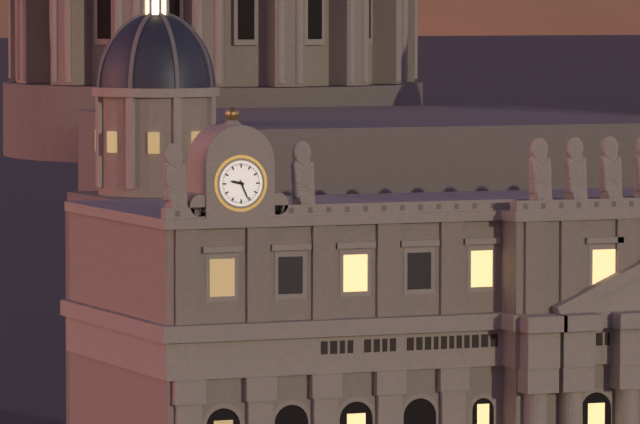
9:26
